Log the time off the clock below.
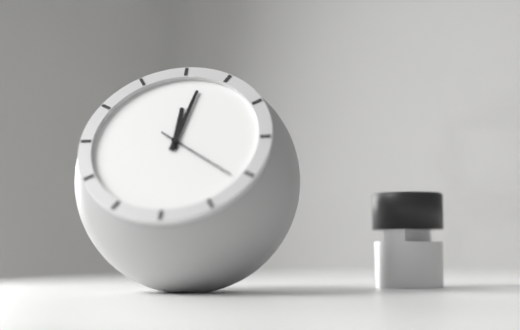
12:02:21
